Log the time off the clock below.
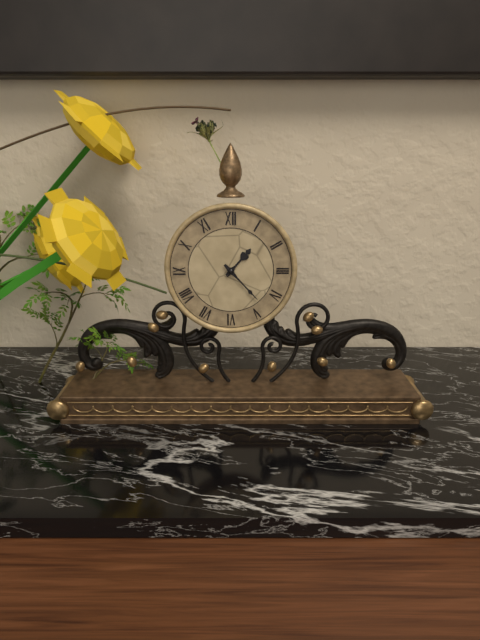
1:23
